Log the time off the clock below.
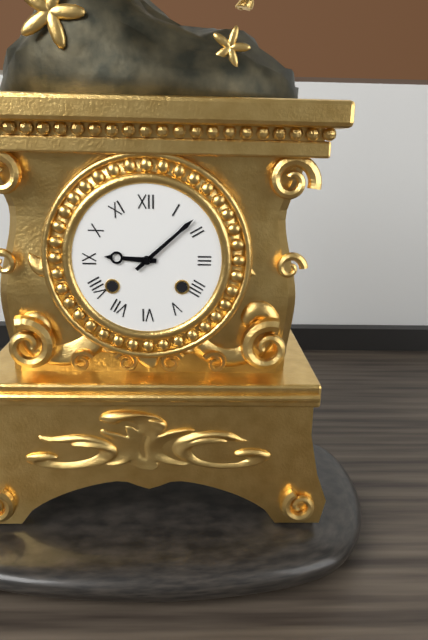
9:08
